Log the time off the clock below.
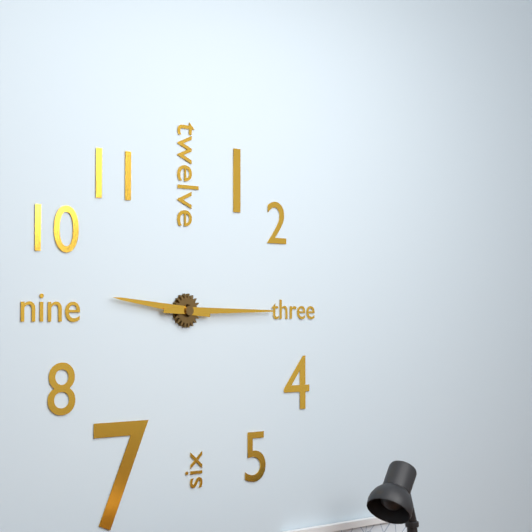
9:15
